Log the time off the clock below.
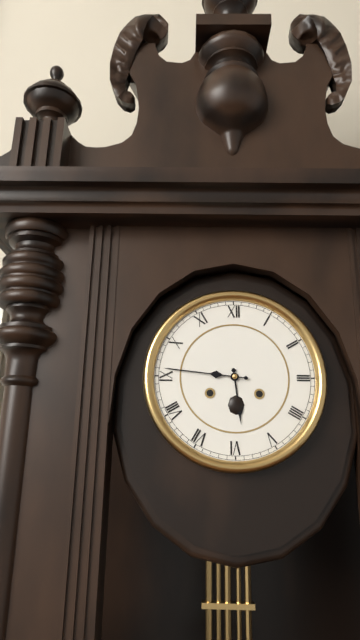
5:46
